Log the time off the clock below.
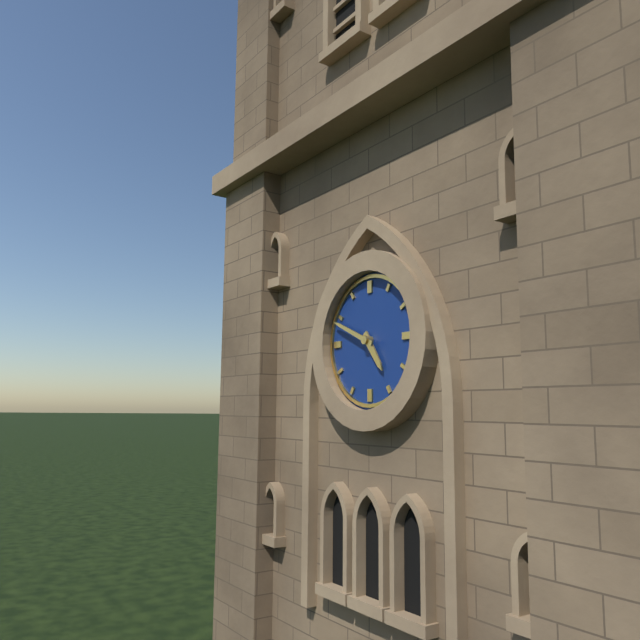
4:49
